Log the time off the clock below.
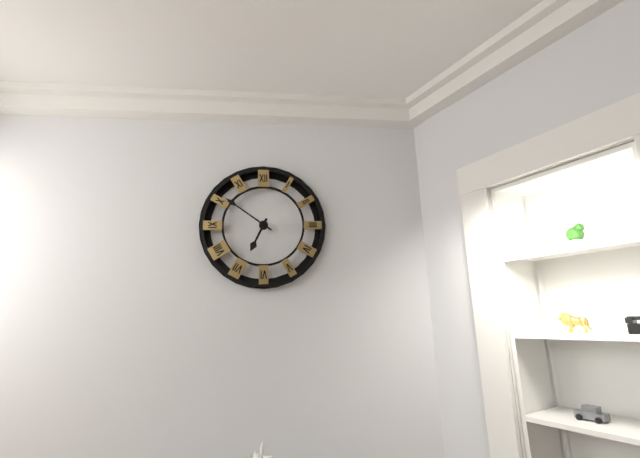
6:51
